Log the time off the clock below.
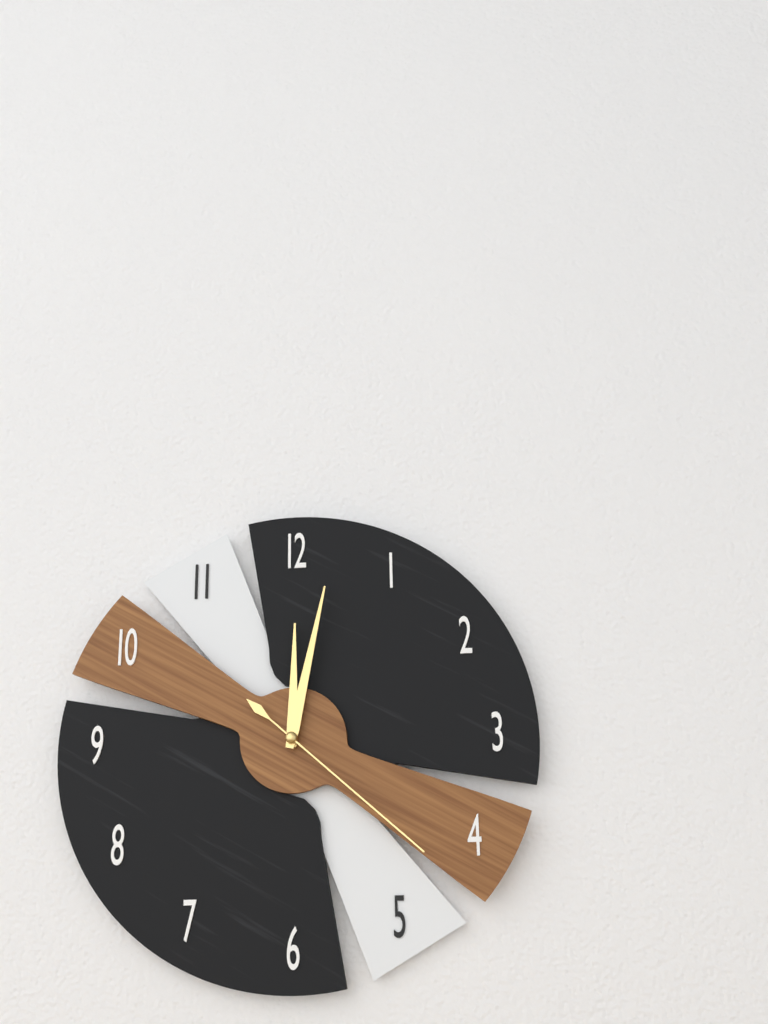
12:02:22
